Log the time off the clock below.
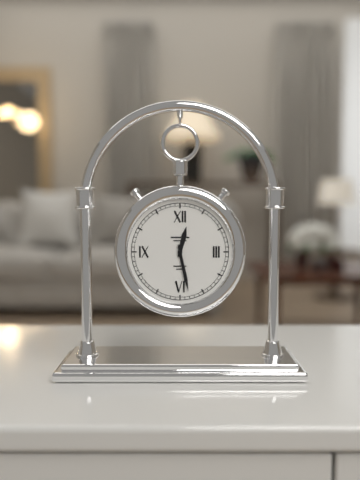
12:28
